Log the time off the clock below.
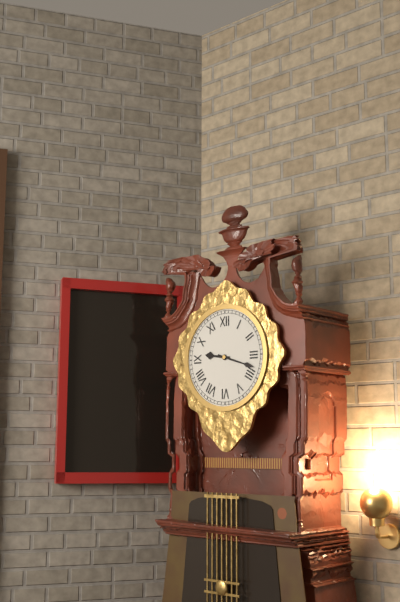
9:18
